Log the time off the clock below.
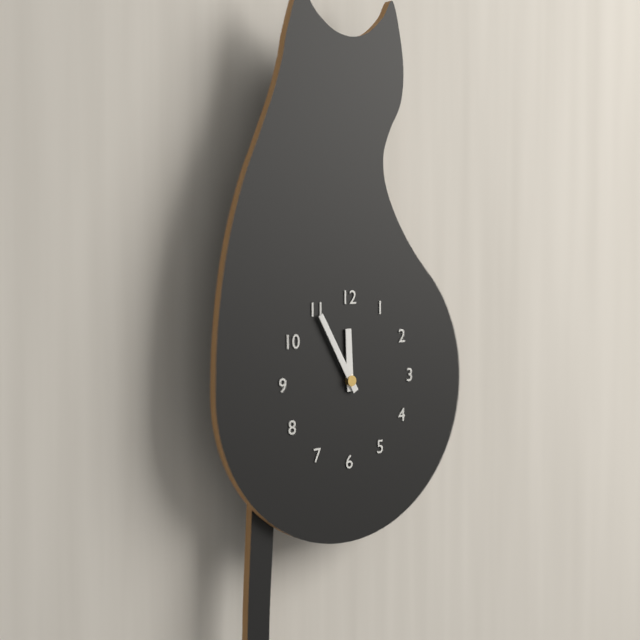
11:55
